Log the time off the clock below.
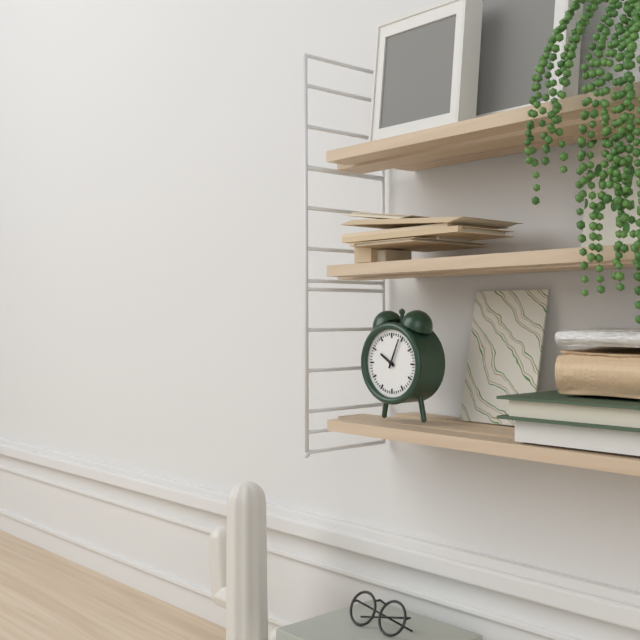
10:04
